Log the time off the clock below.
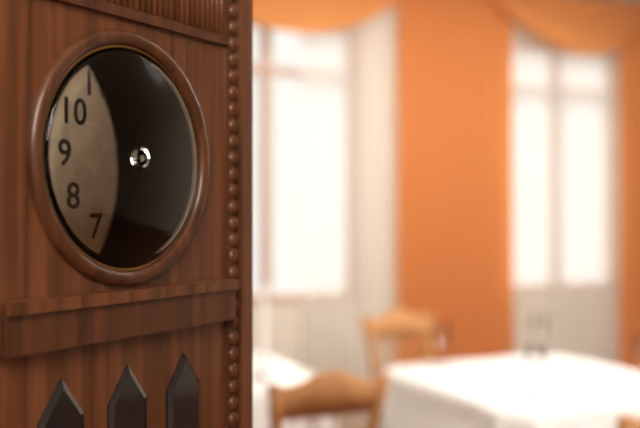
3:19
